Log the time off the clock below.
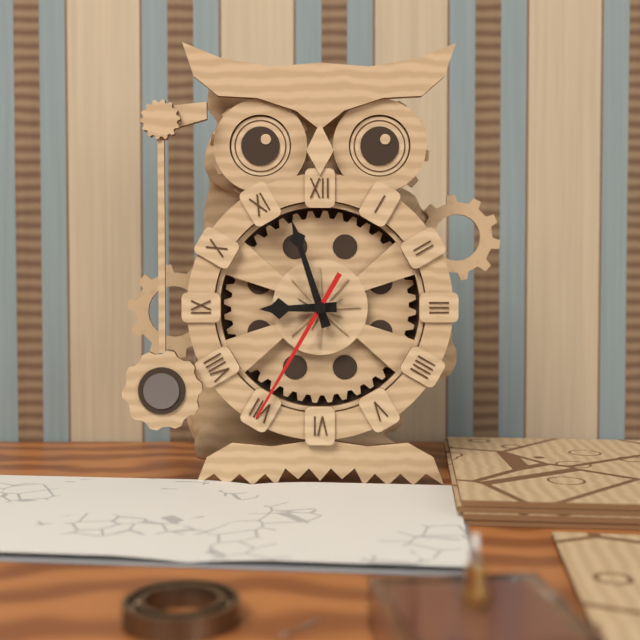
8:57:35
